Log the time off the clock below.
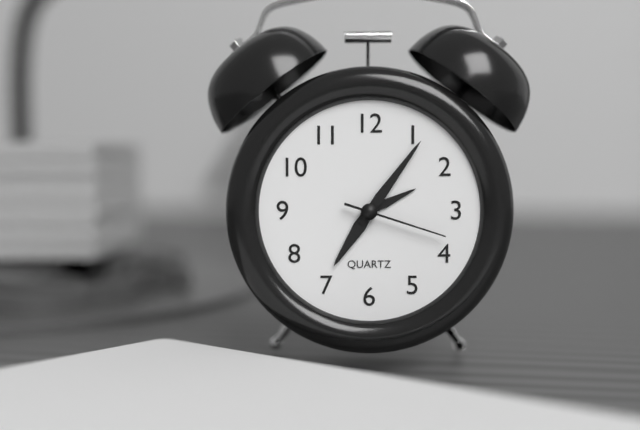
7:06:18
